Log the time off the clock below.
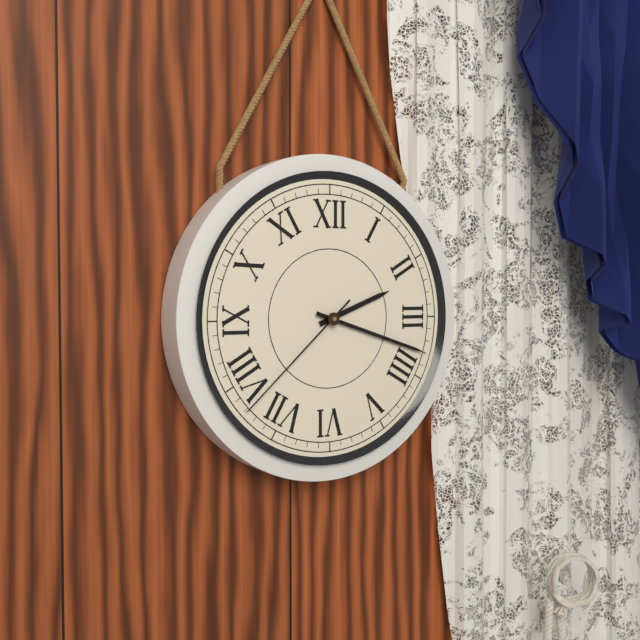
2:18:38
